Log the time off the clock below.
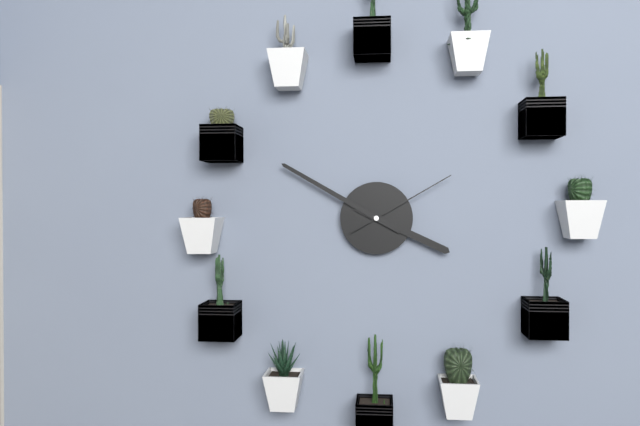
3:50:10
